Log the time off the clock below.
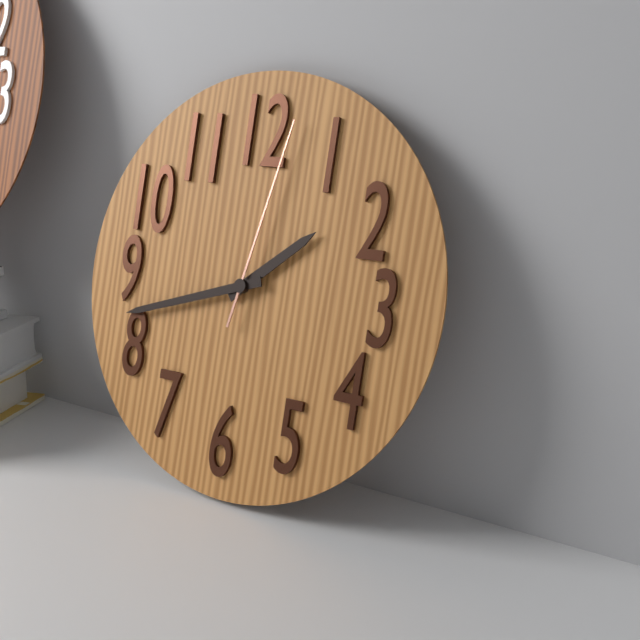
1:42:02
